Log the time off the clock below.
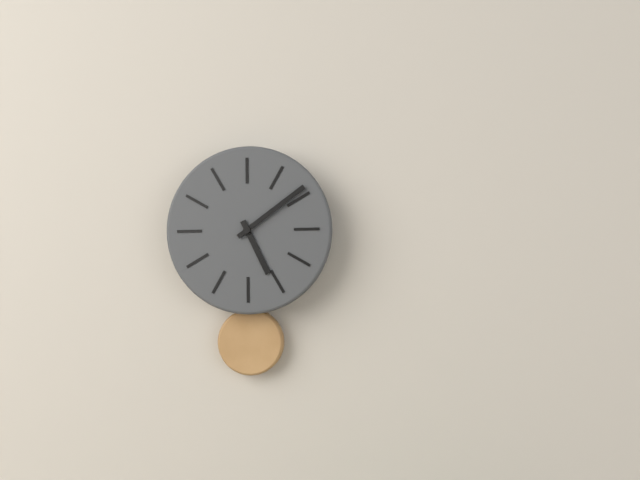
5:09
